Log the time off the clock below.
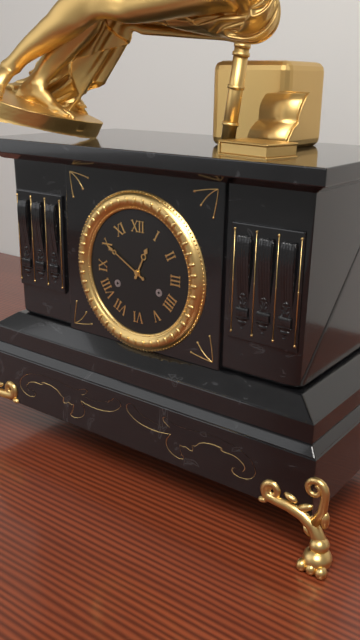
12:50
